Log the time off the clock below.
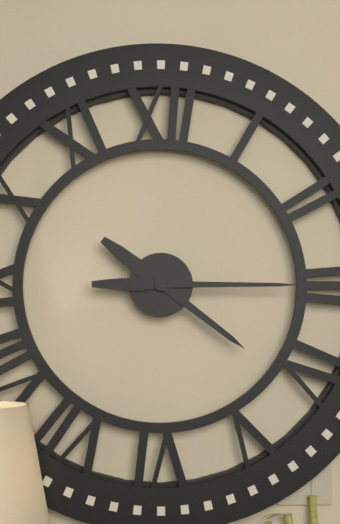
4:15
